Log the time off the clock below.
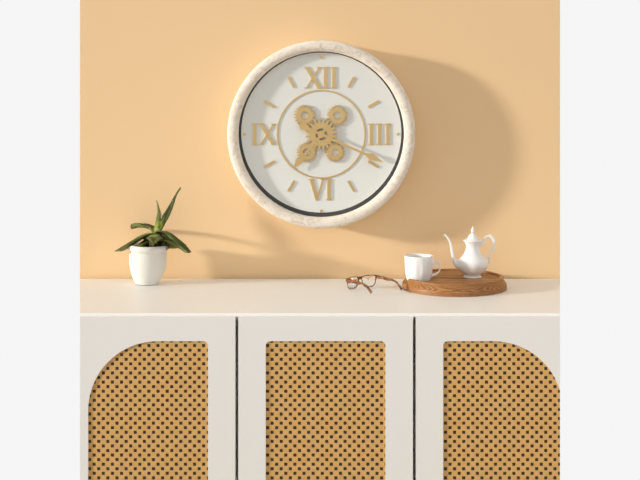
7:19
